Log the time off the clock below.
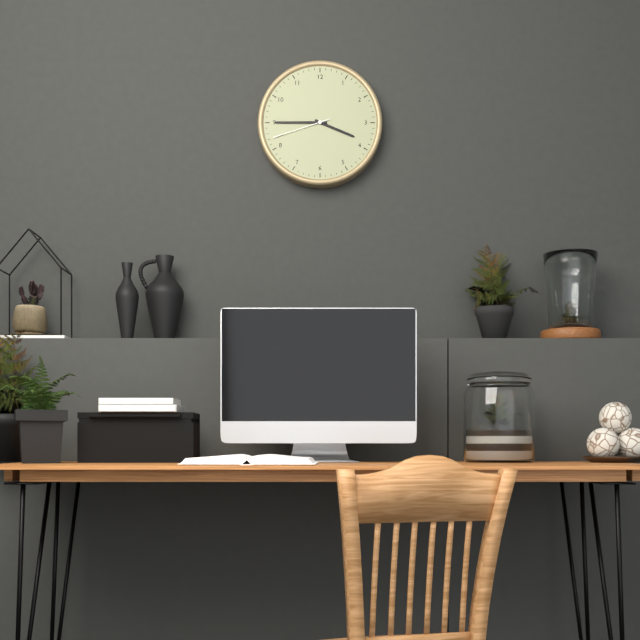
3:45:42
